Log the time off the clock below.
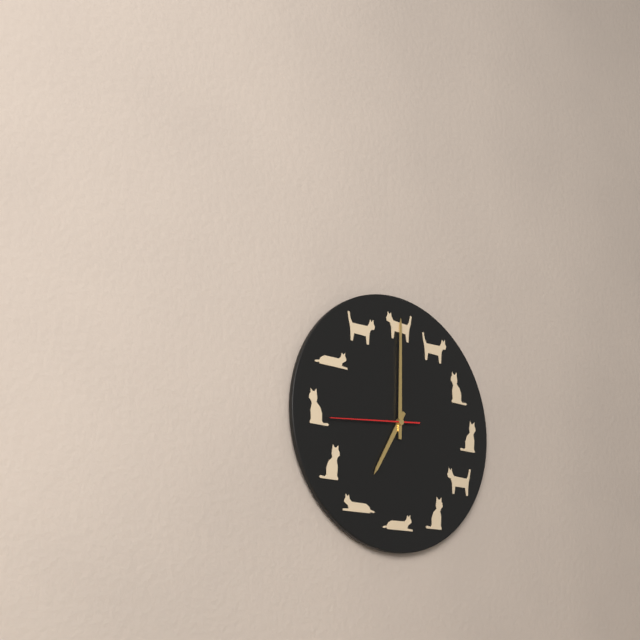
7:00:44
